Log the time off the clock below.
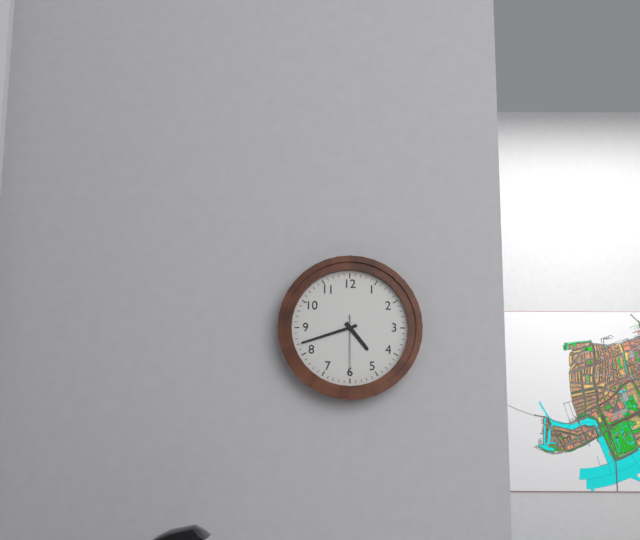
4:42:30
